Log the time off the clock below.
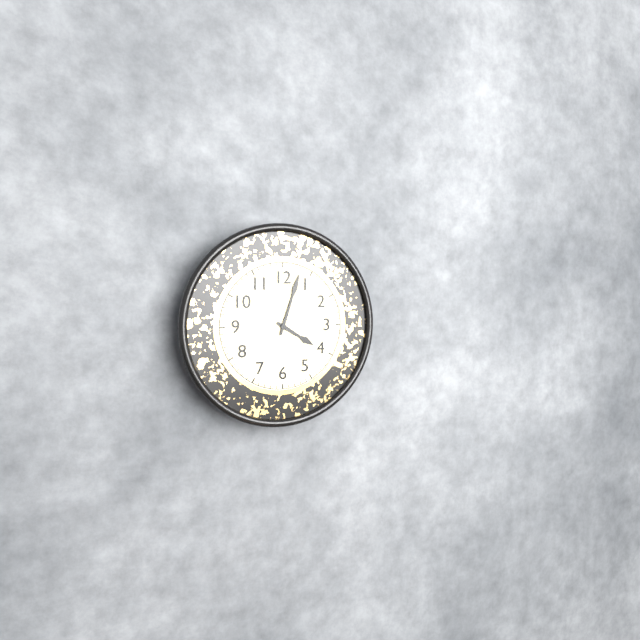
4:03
